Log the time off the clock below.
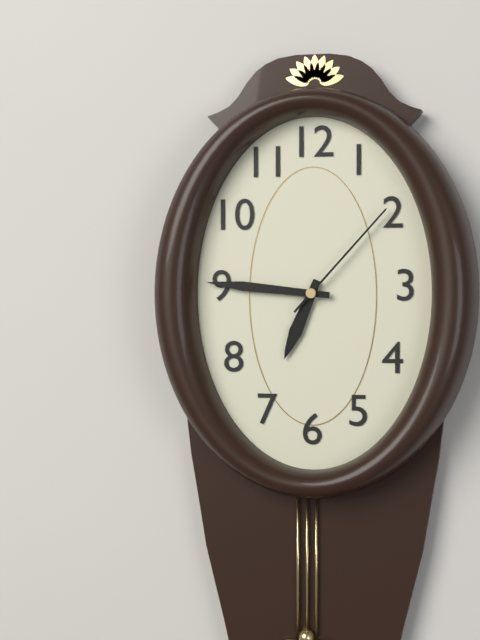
6:46:07
